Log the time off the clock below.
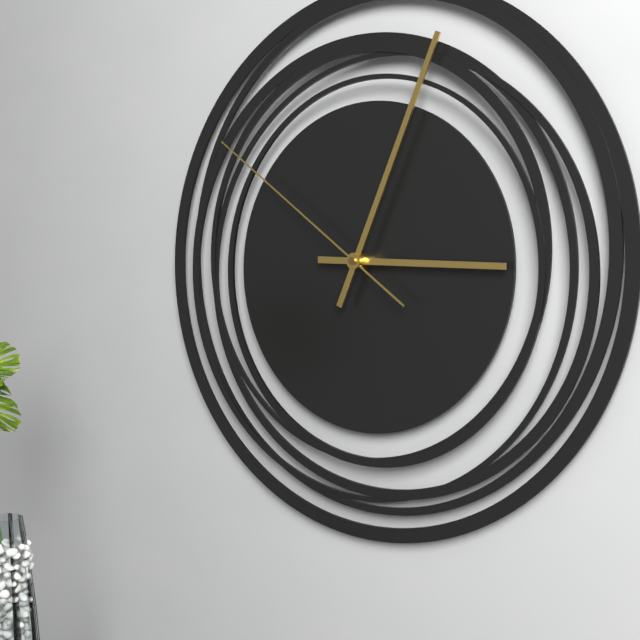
3:04:51
